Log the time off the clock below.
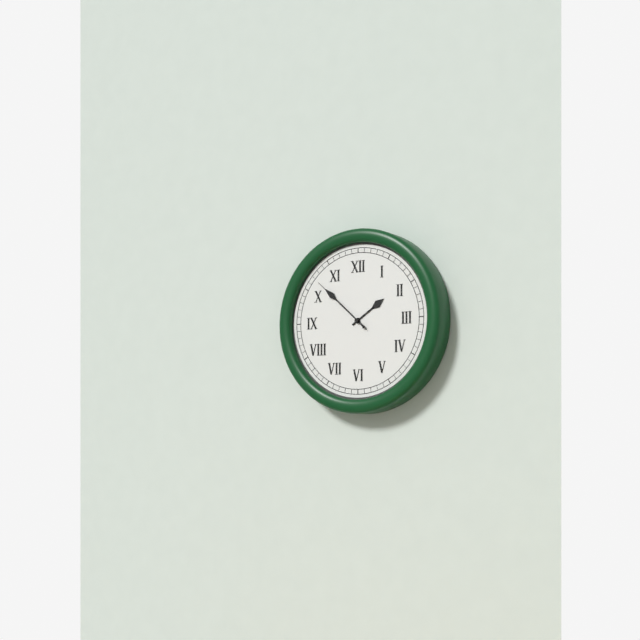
1:52:52
